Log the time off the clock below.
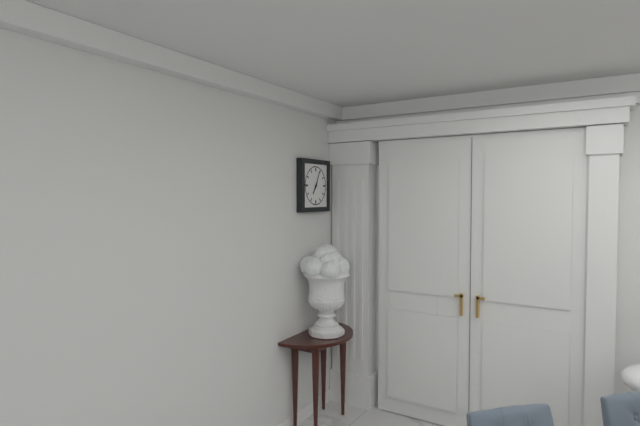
7:04
